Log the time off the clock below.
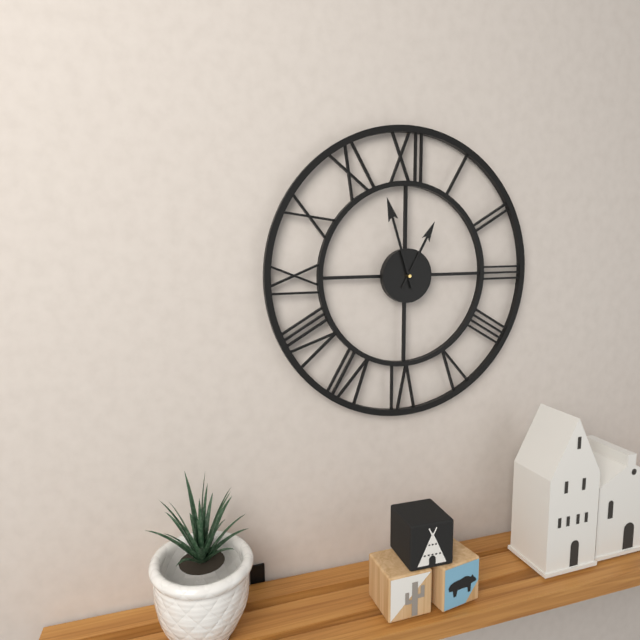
12:57
